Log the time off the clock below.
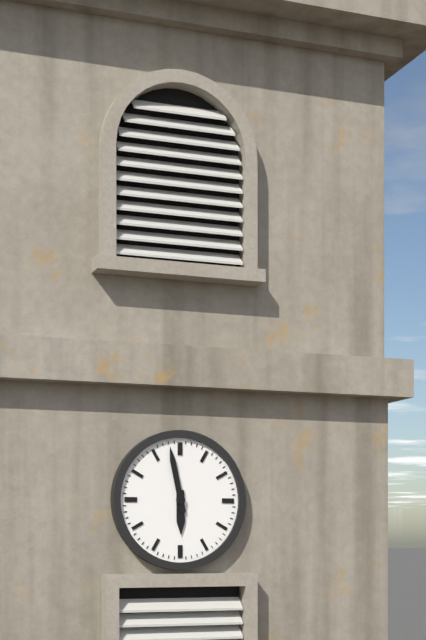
5:58
